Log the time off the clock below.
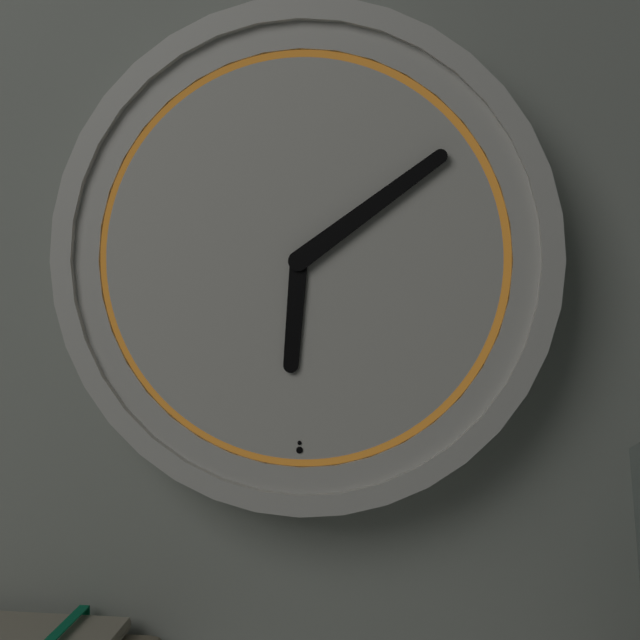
6:09
